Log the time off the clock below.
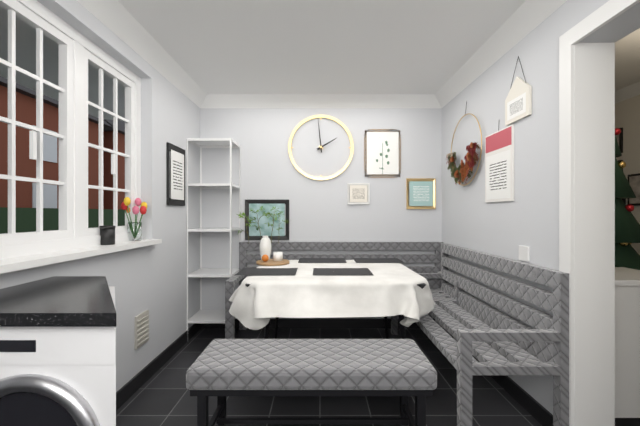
1:59
